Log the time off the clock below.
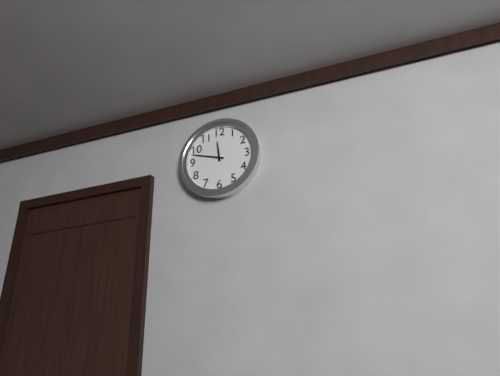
11:48
